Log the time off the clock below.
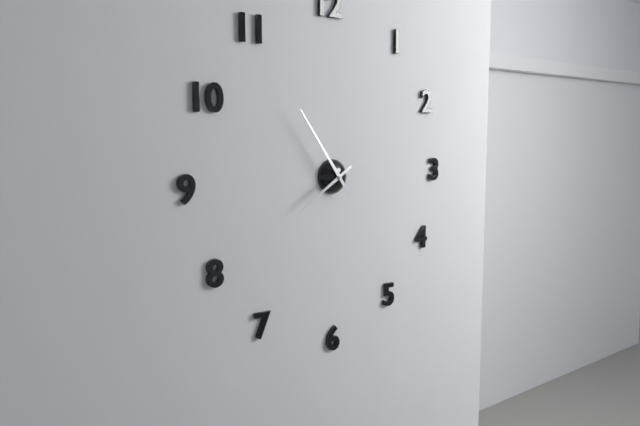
7:54
